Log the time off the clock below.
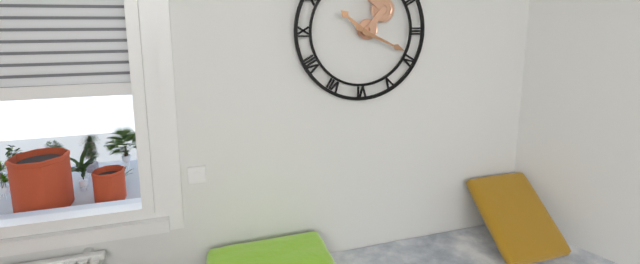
10:19
